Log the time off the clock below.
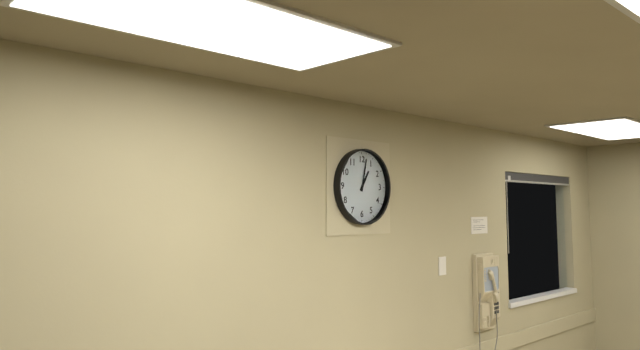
1:02
